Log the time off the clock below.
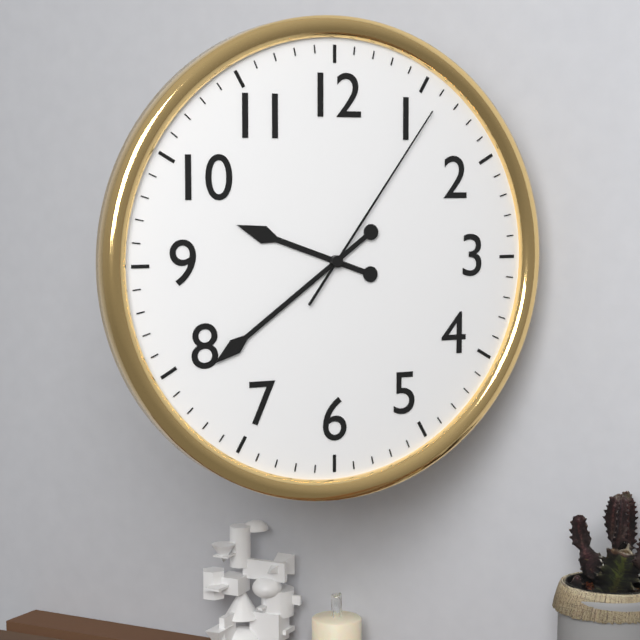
9:39:06
